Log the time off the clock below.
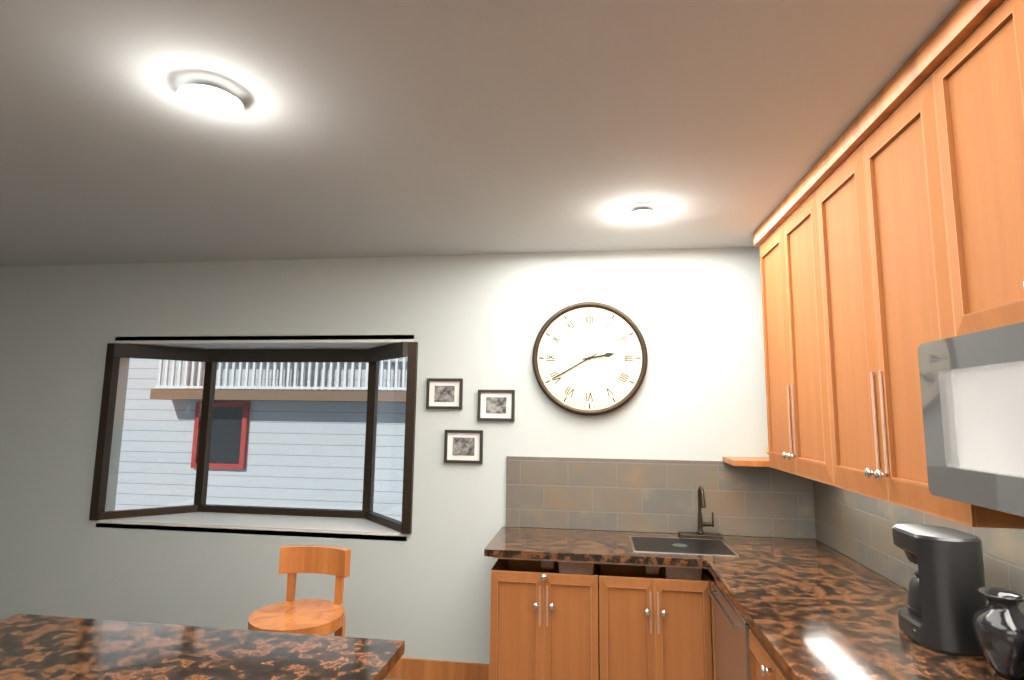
2:40
